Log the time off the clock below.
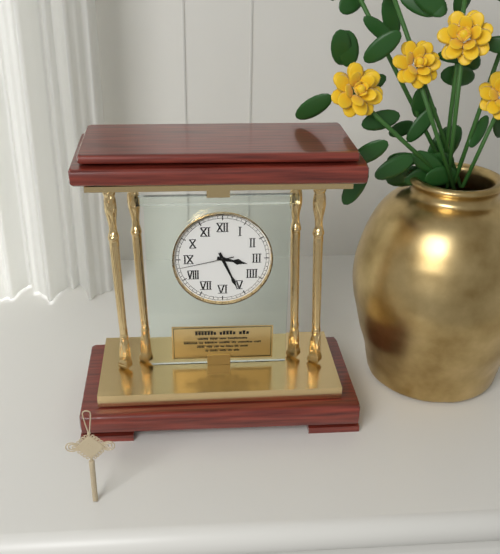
3:26:43
